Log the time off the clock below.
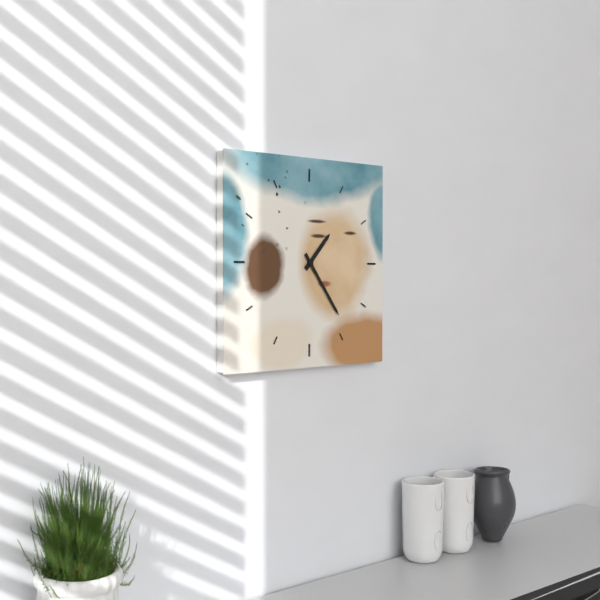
1:24
